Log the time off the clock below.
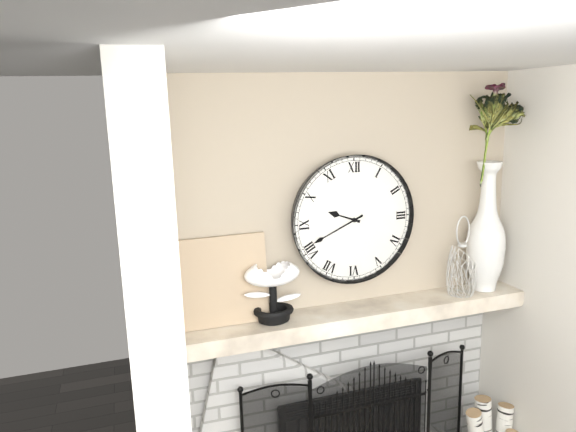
9:41
